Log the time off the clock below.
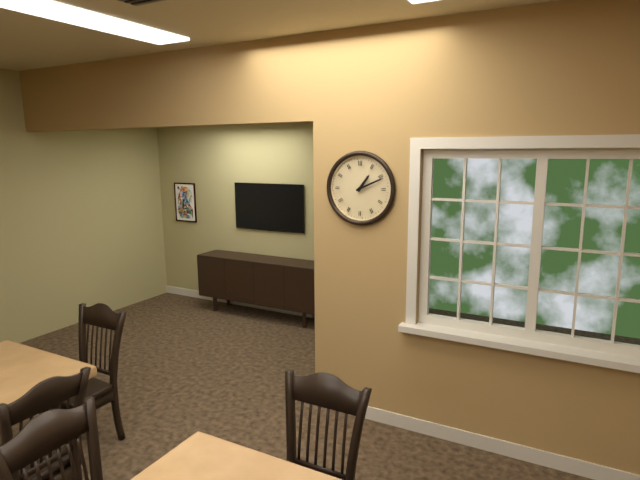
1:11
